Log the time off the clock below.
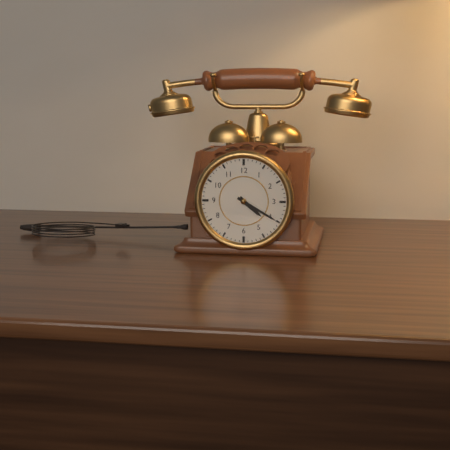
4:20
